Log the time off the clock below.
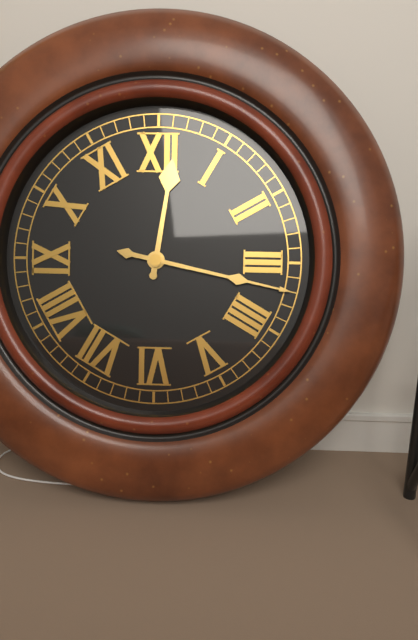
12:17
